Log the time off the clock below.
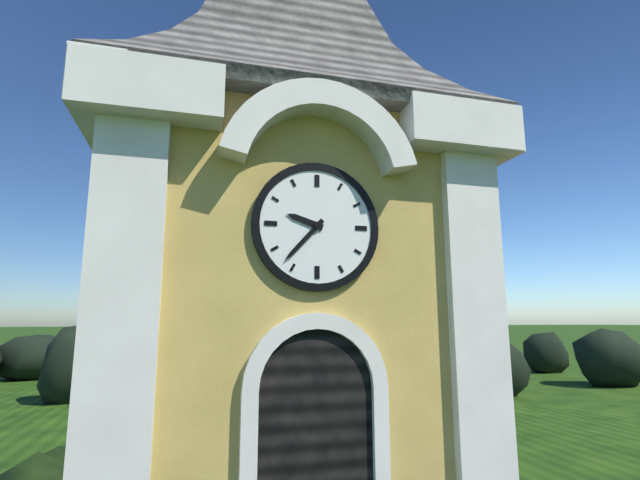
9:37
